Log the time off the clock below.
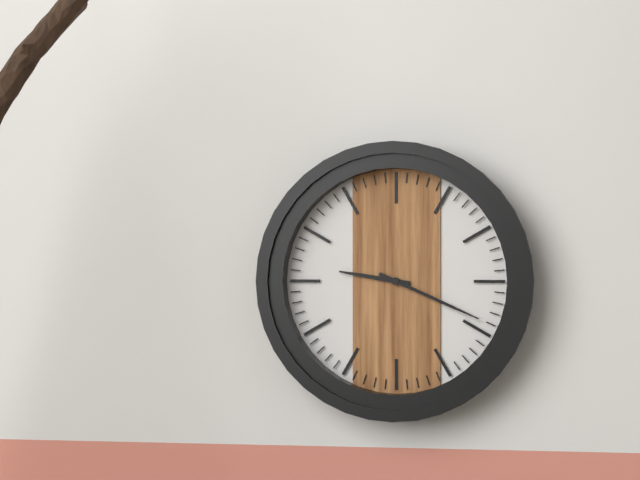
9:19
